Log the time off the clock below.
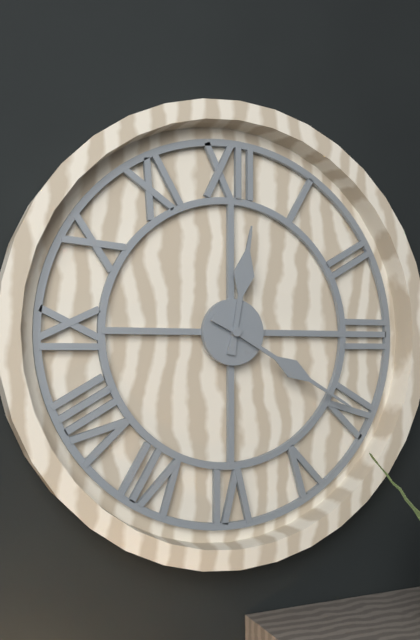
12:20
